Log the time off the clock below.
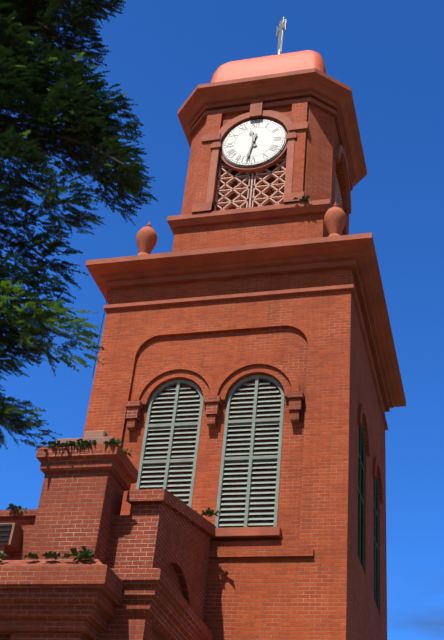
11:32
